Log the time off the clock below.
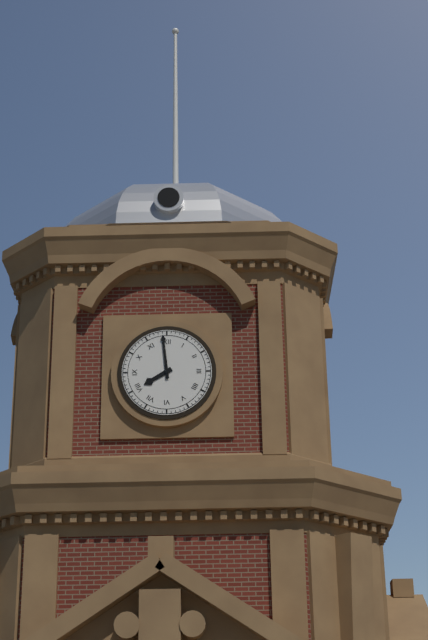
7:59
